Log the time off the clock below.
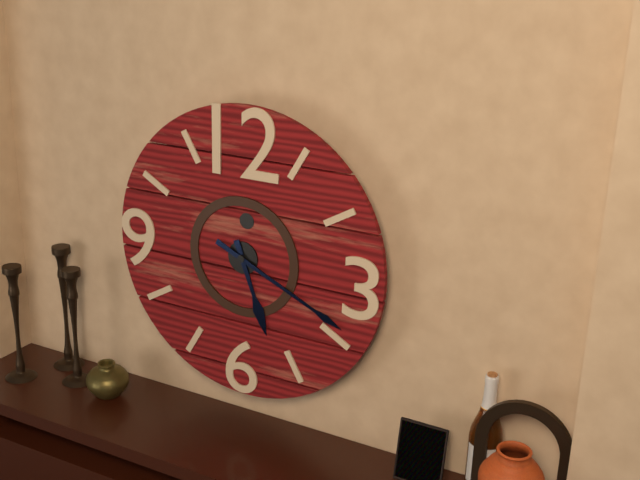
5:19
